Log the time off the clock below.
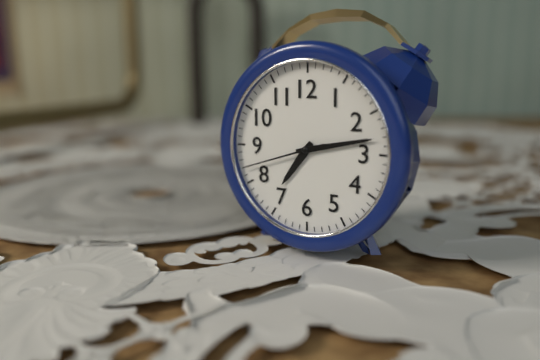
7:13:42
